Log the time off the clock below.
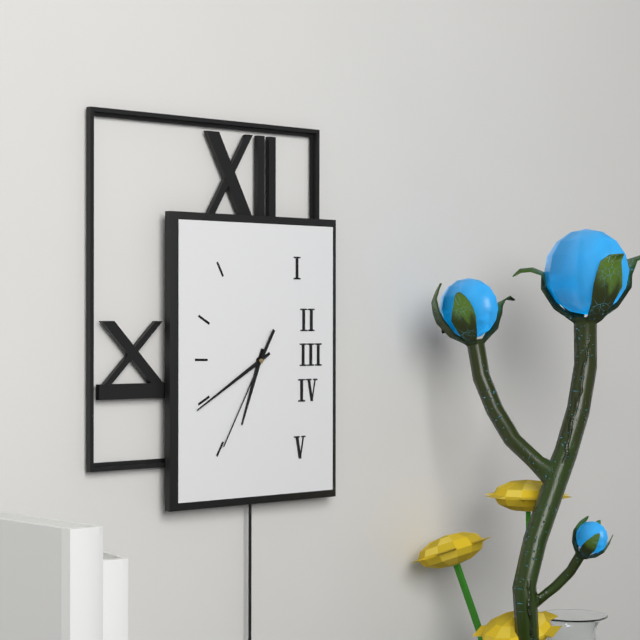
6:40:35
